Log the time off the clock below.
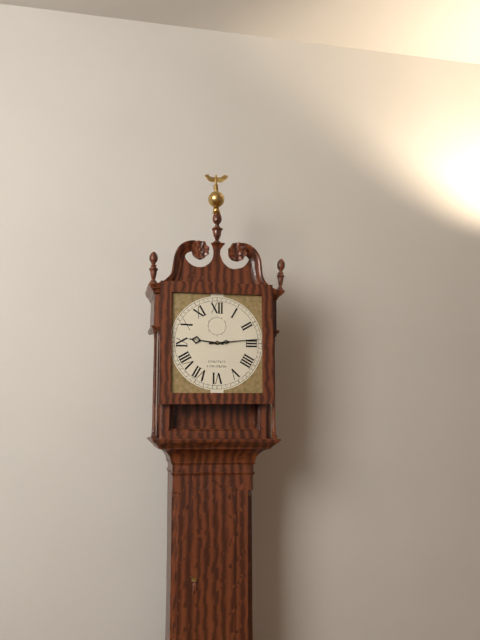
9:14
